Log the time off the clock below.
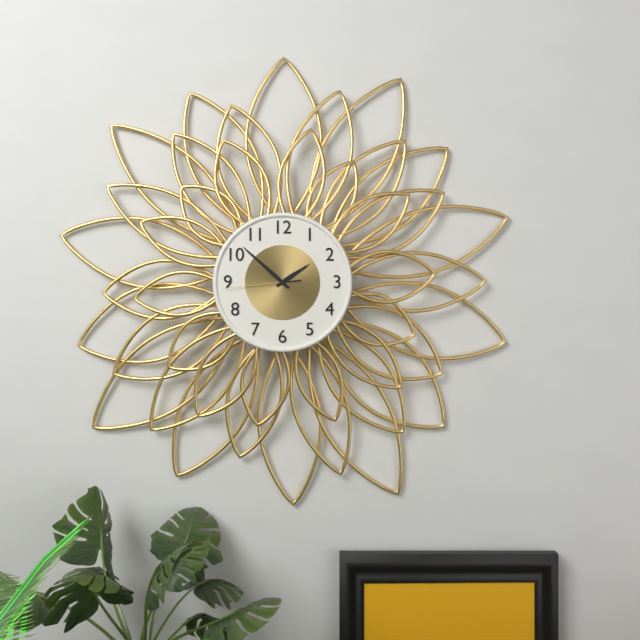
1:52:44
